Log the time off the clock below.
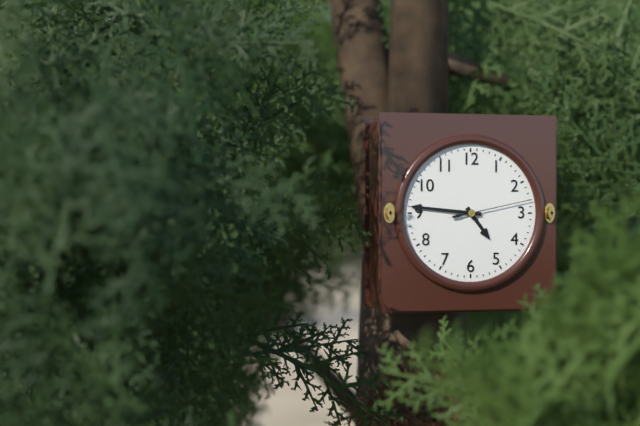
4:46:13
